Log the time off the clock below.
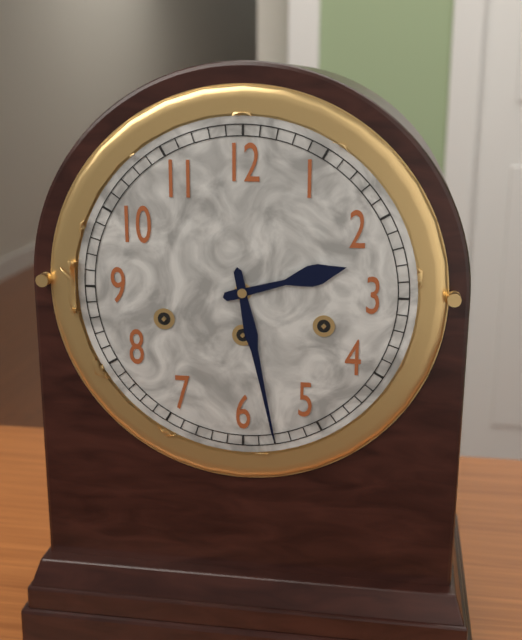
2:28
